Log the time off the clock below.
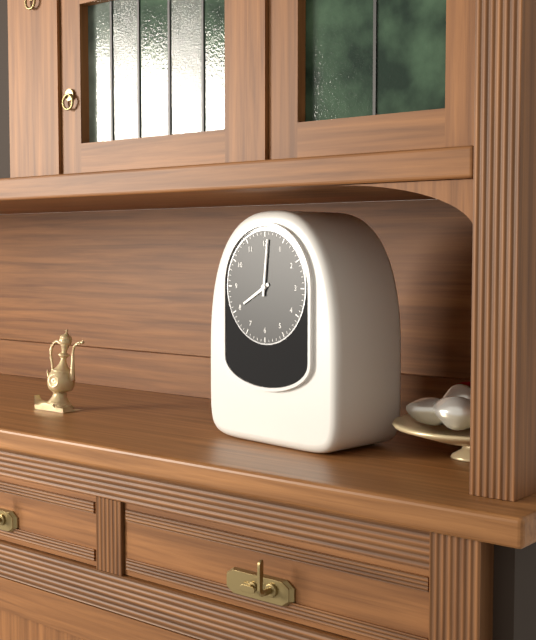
8:01
